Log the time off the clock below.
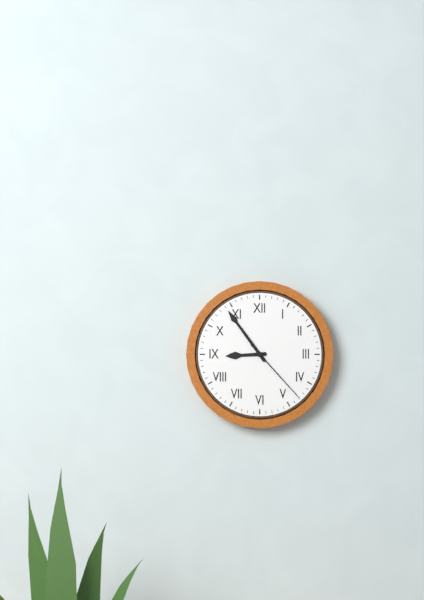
8:54:23
